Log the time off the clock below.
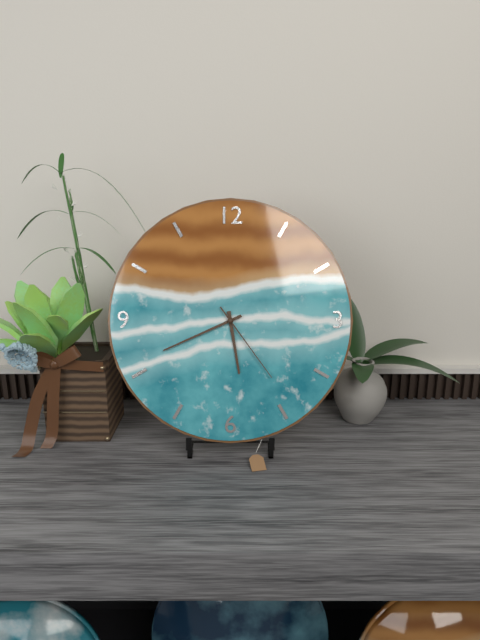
5:41:24
